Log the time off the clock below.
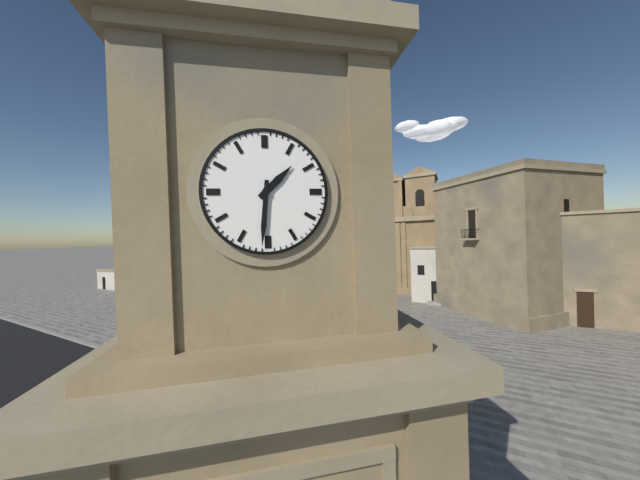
1:31
